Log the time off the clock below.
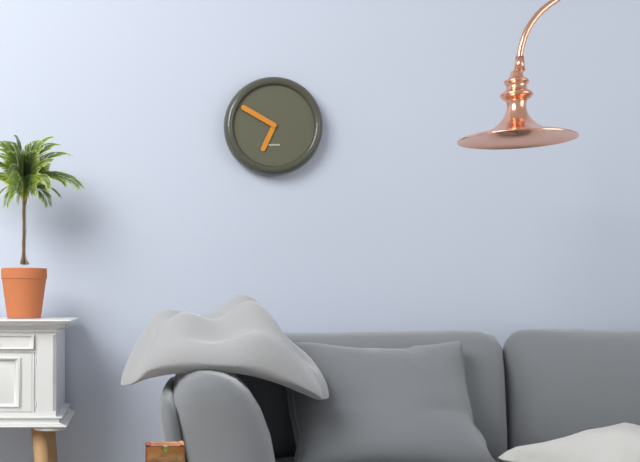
6:50
